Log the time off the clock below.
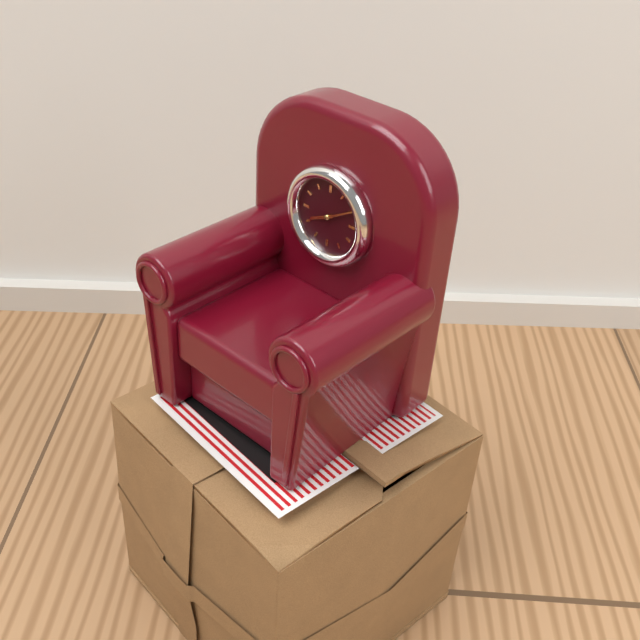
8:10
